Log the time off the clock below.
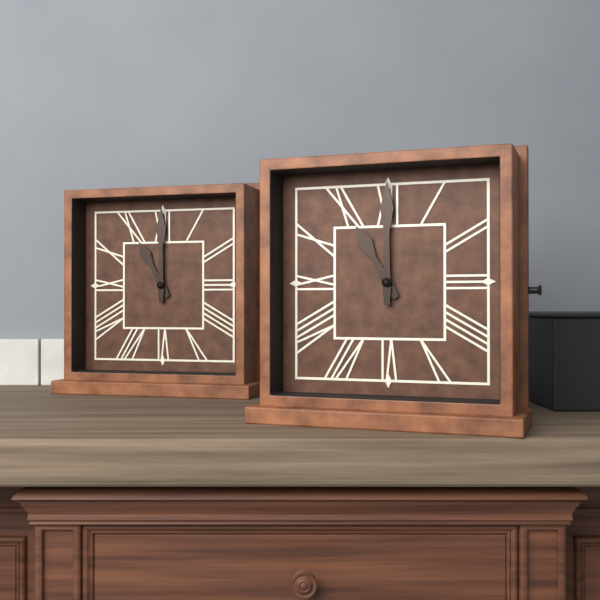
11:00
